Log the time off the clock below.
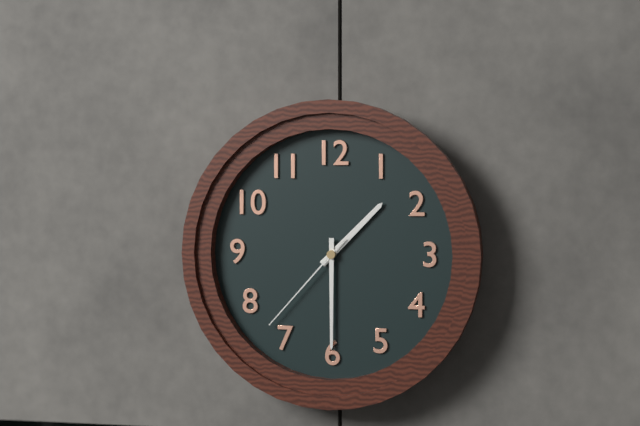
1:30:37
